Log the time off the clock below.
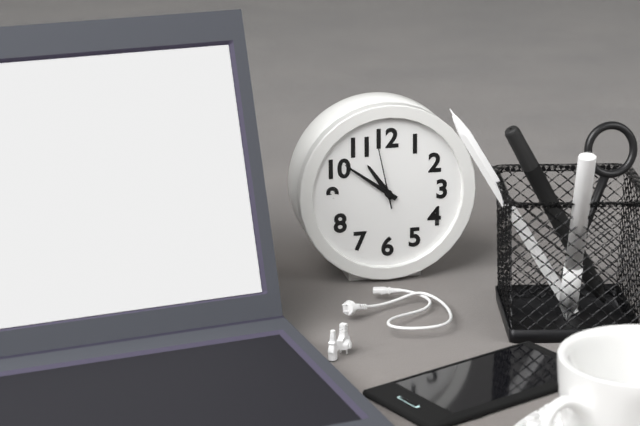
10:51:58
